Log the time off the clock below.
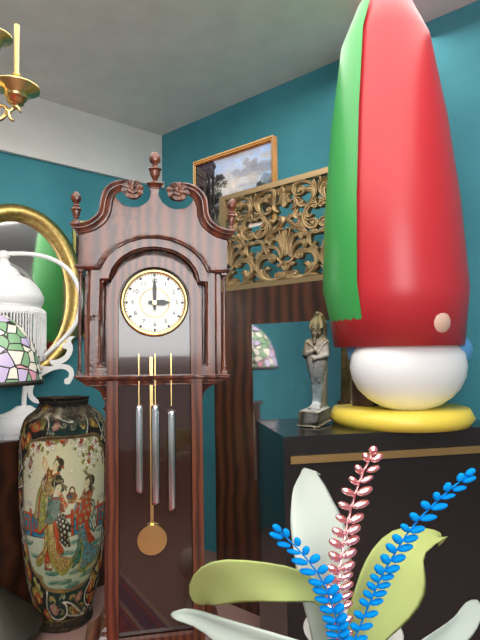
3:00
